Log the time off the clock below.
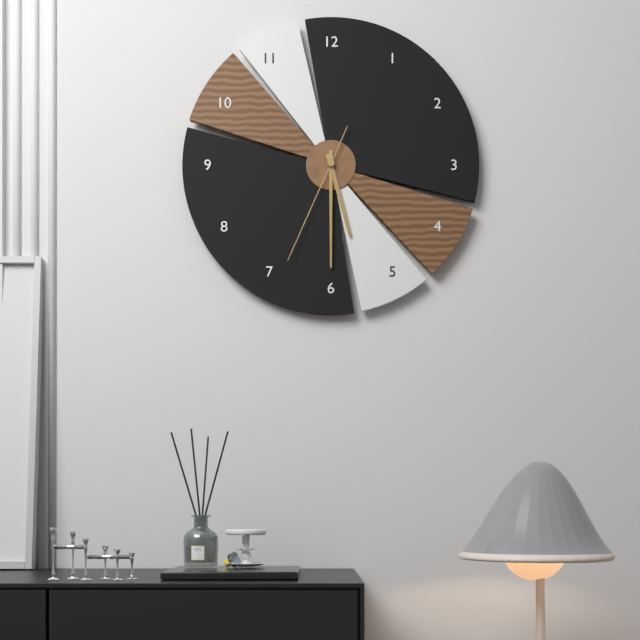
5:30:34
